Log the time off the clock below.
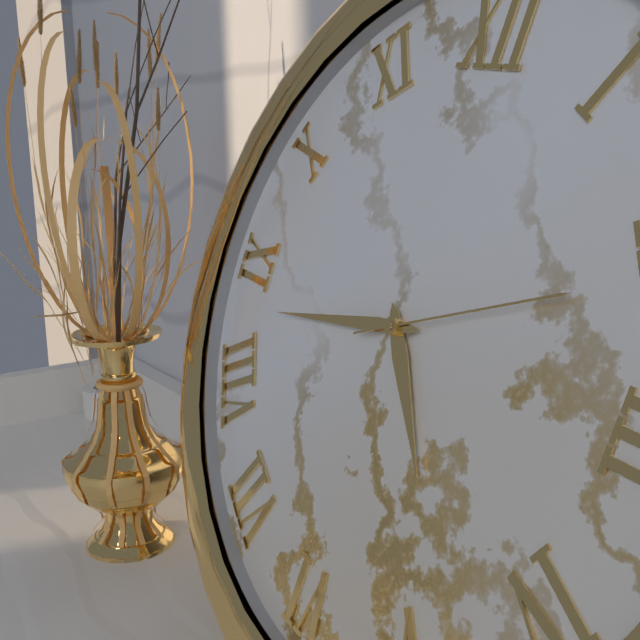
4:43:11
